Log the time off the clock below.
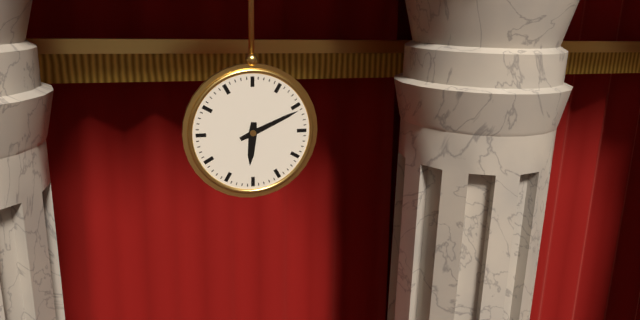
6:11
